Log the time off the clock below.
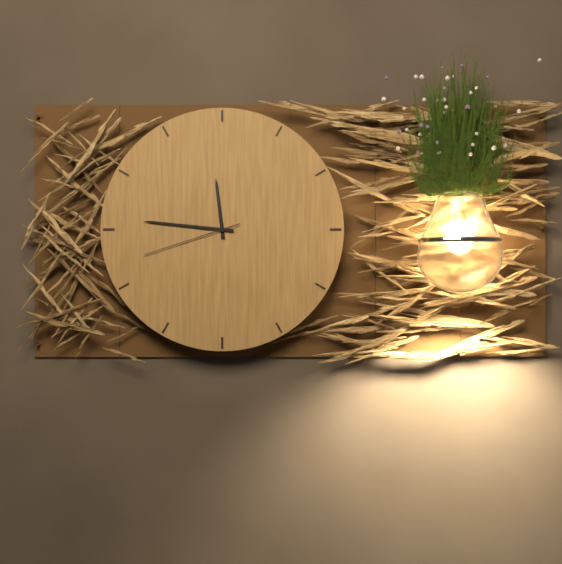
11:46:42
